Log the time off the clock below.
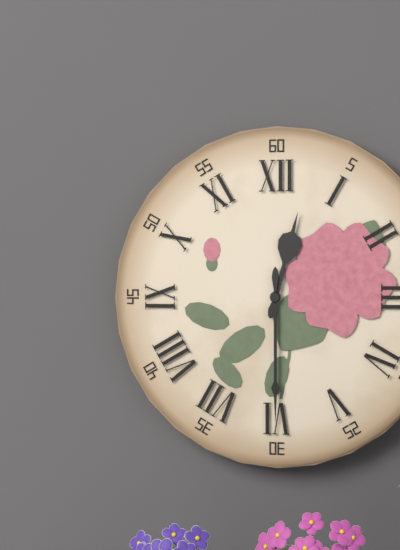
12:30
